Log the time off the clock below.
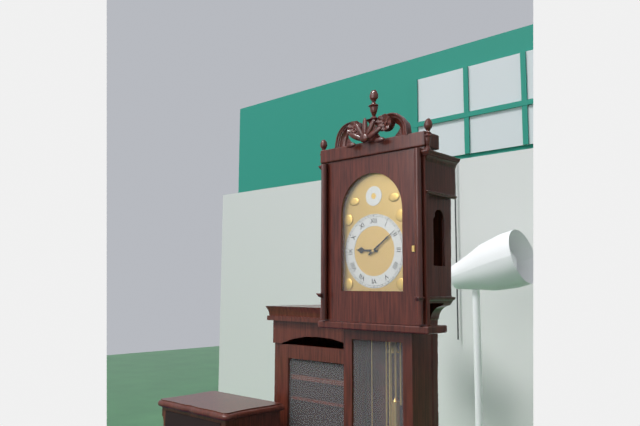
9:09
